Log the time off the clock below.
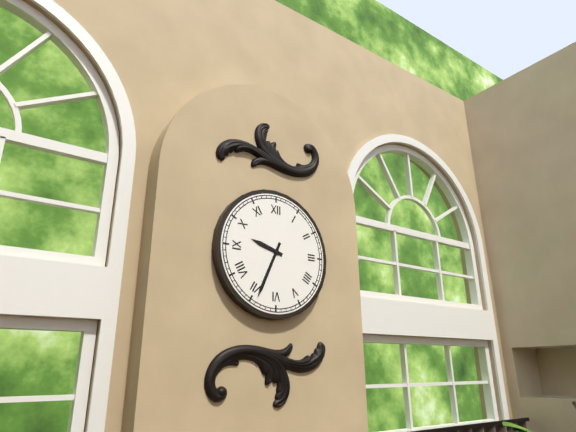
9:34
